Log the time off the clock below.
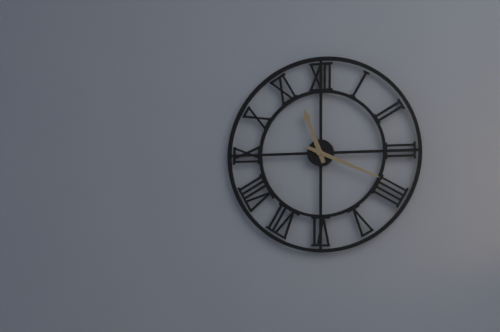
11:19
